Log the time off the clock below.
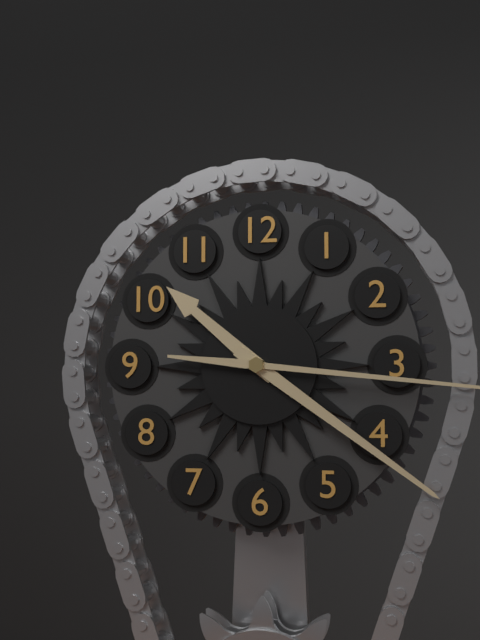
10:21
